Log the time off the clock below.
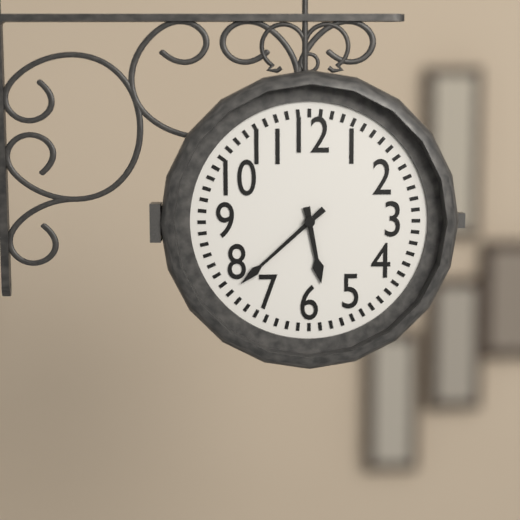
5:38
